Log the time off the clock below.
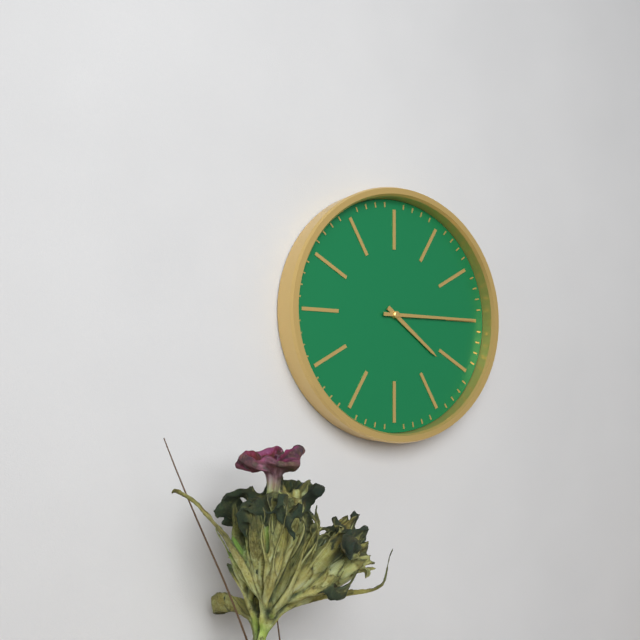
4:15
